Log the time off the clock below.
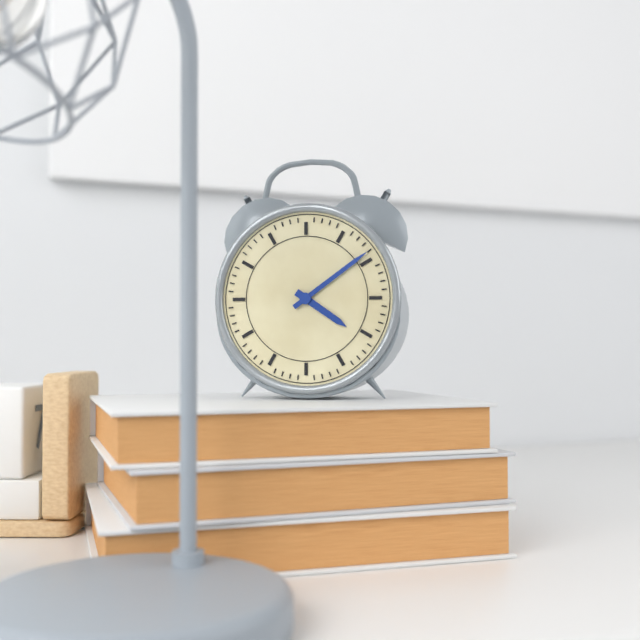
4:09
